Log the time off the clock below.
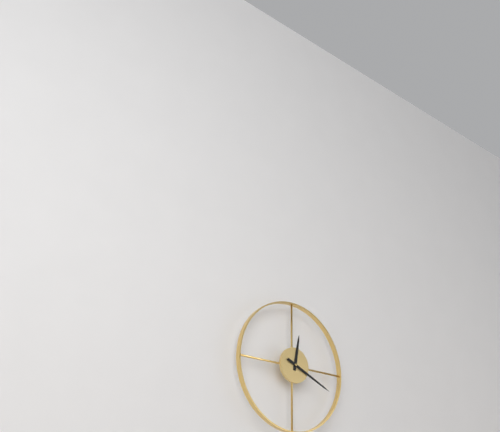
12:19
